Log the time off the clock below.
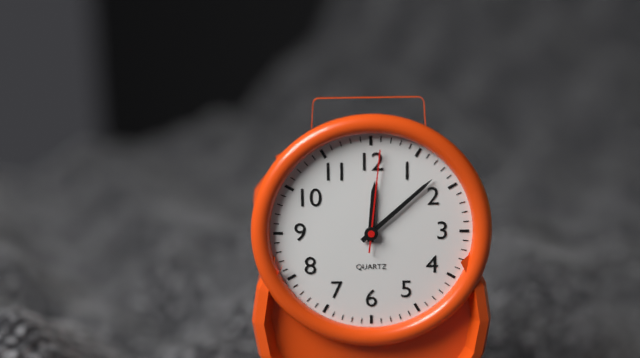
12:08:01
